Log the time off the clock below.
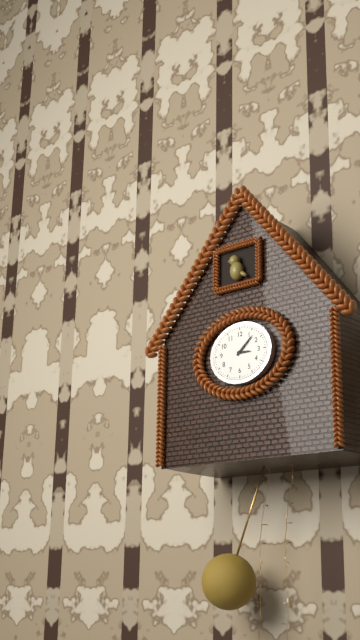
3:08
